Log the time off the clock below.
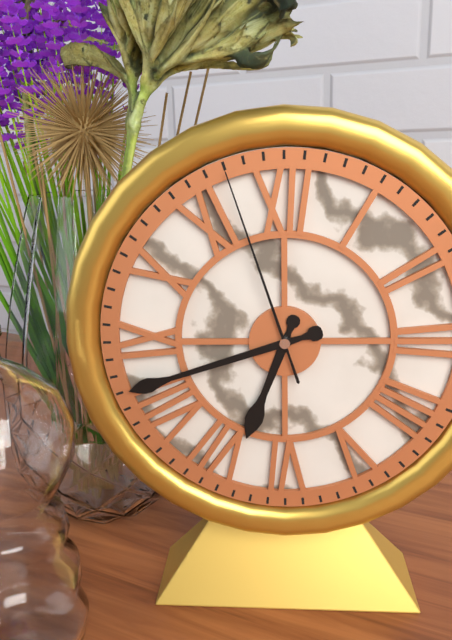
6:42:57
